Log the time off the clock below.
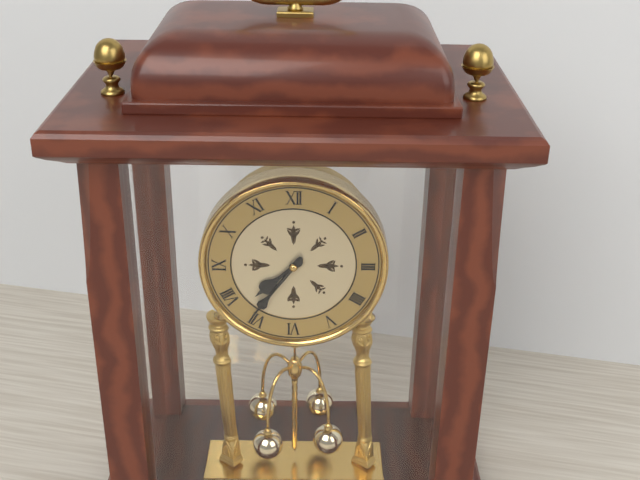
7:36
